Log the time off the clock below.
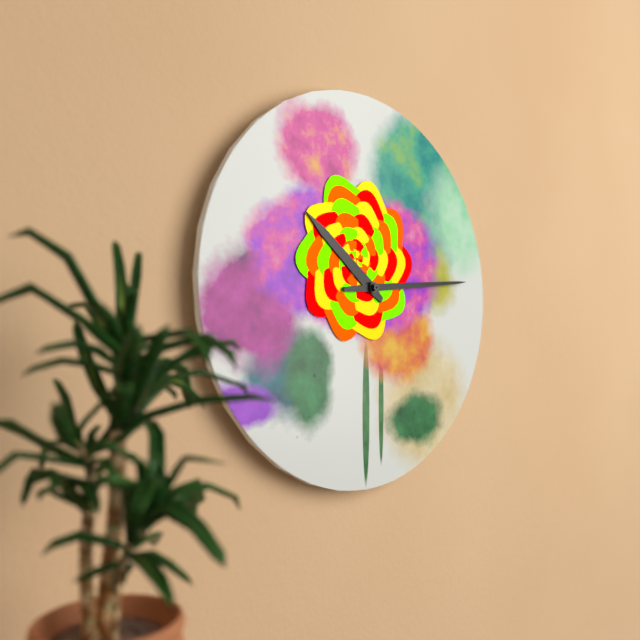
10:14
